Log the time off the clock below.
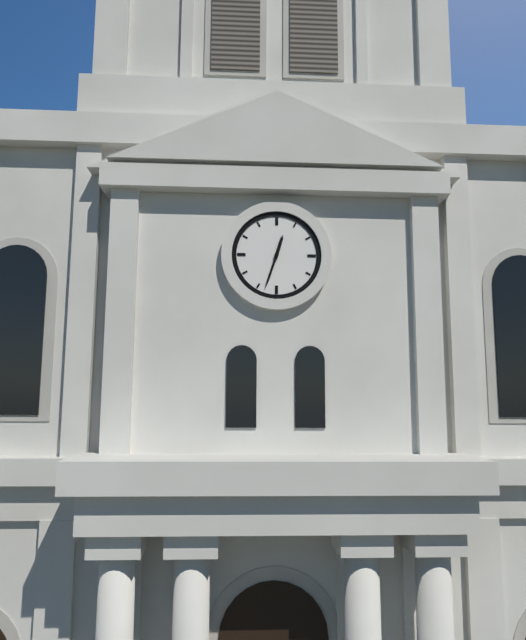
12:33
